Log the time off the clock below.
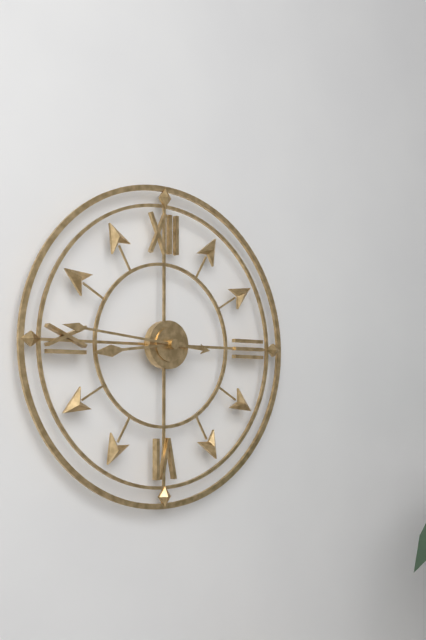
8:46
